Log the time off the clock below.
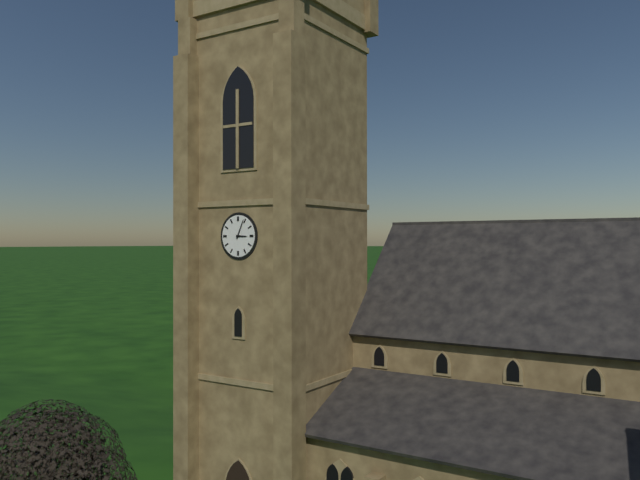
3:04
